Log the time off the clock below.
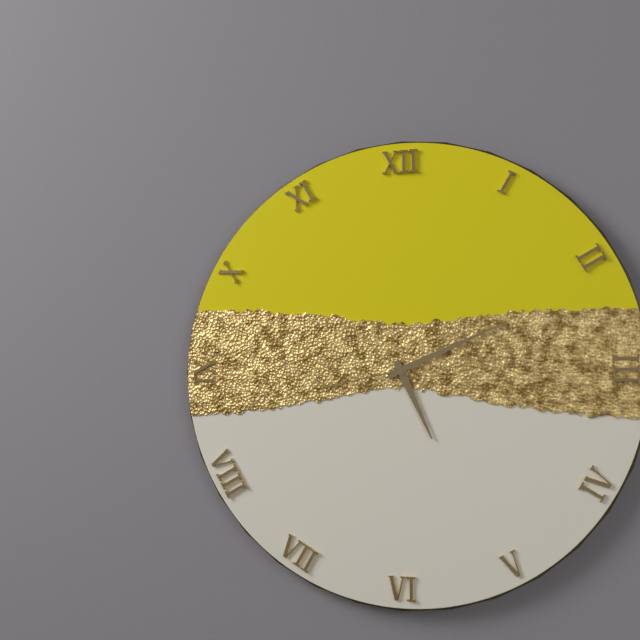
5:11:43
